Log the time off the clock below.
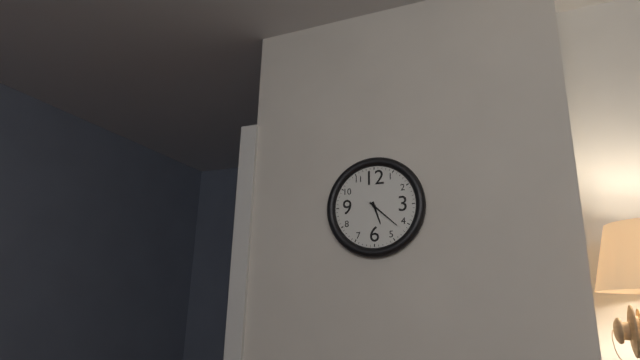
5:22
